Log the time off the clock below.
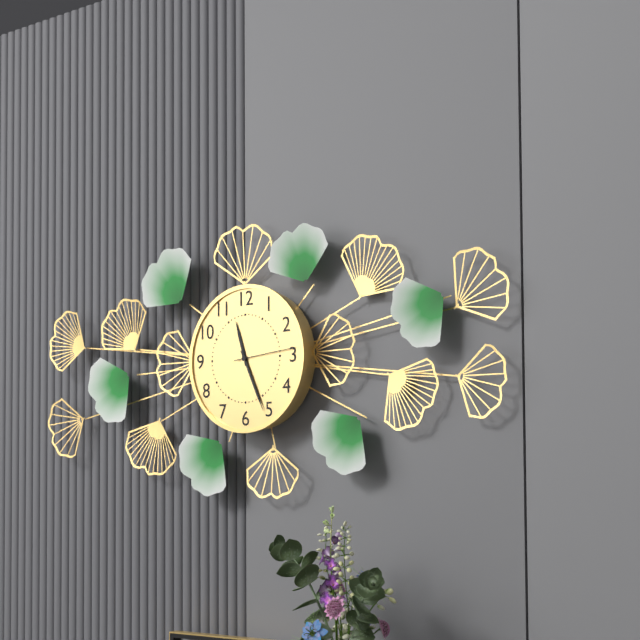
11:26:14
